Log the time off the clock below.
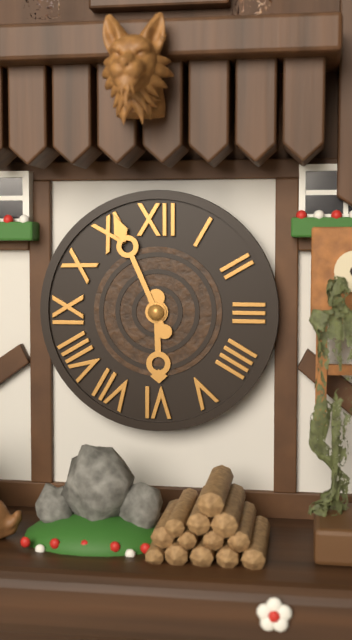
5:56
